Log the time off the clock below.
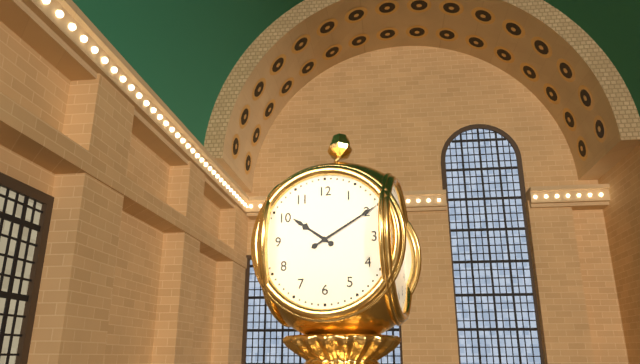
10:10
